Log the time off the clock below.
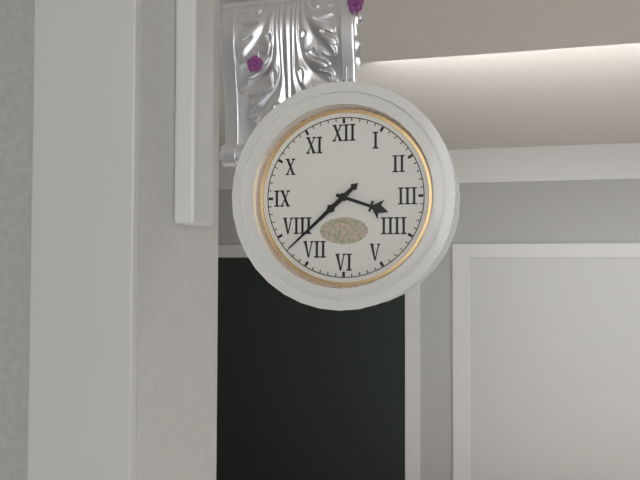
3:38
